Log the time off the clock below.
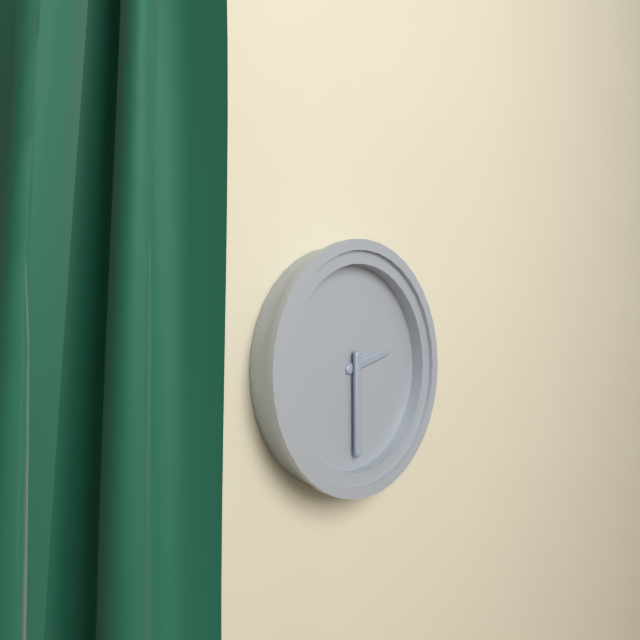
2:30
